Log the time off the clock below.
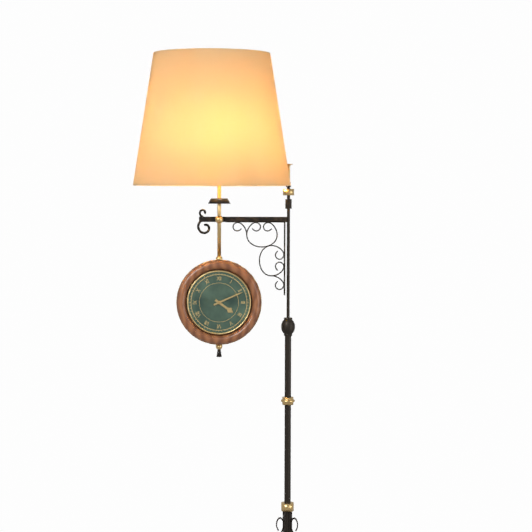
4:11
